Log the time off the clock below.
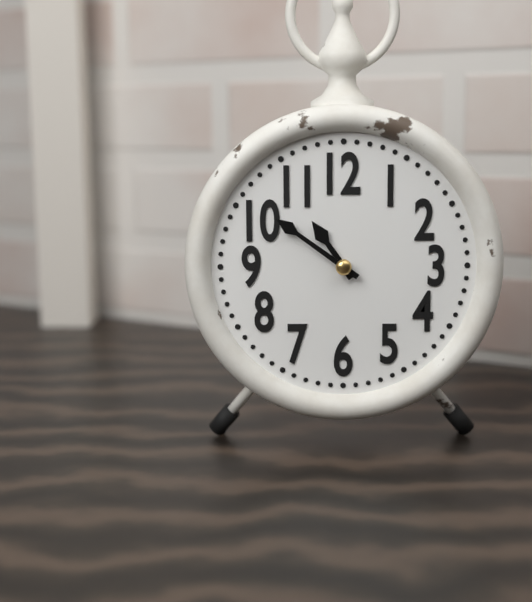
10:51
